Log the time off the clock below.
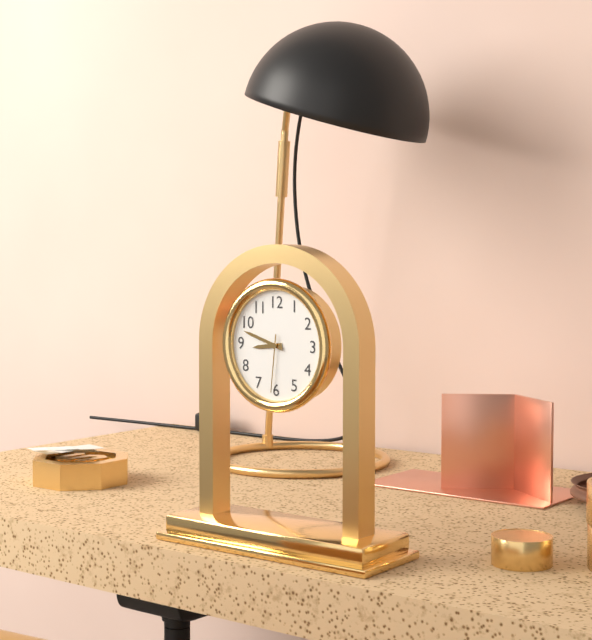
8:48:31
